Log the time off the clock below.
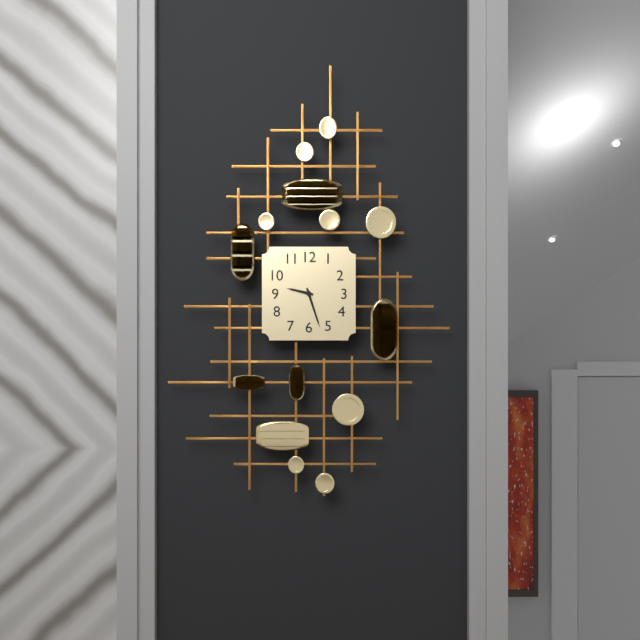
9:27
